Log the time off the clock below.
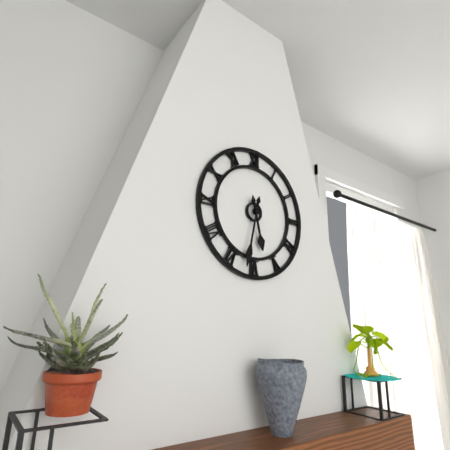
5:32
